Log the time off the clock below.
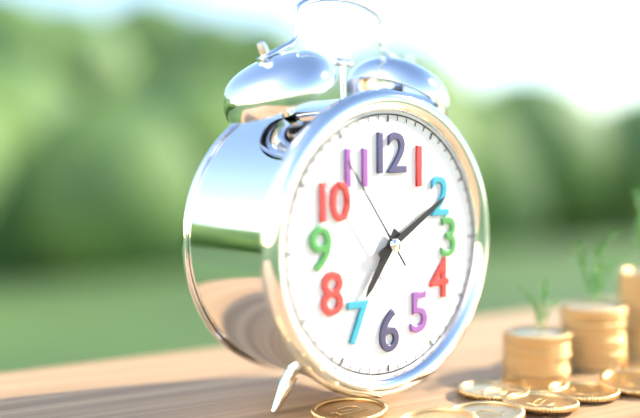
7:10:54
